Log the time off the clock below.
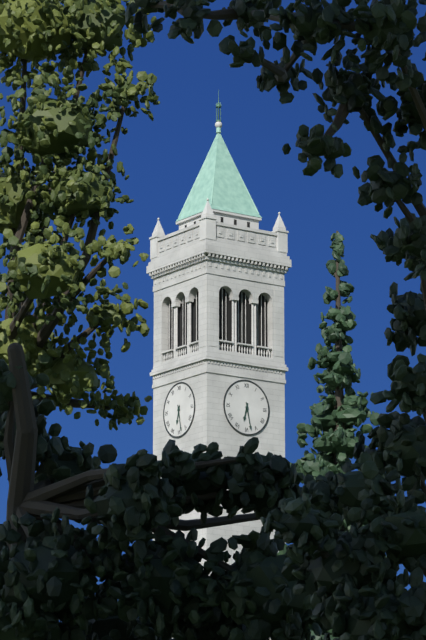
6:28
